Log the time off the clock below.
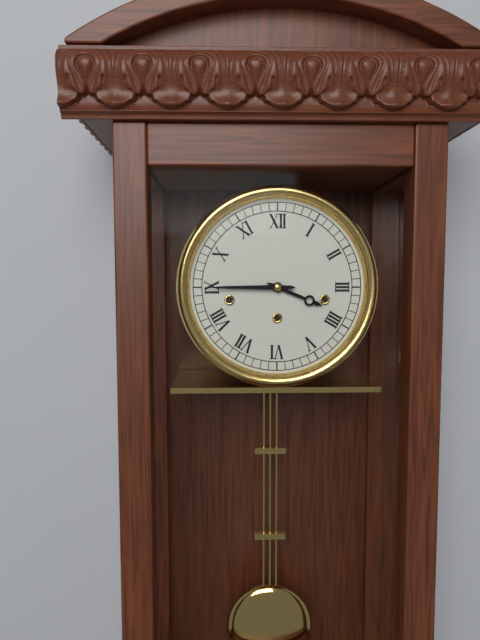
3:45
